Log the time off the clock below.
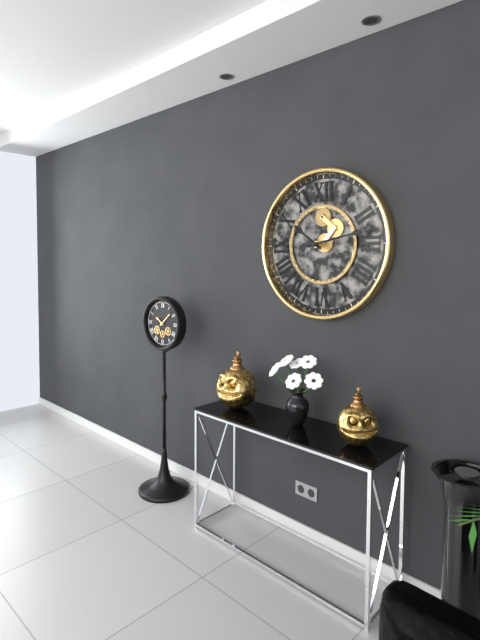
10:13
